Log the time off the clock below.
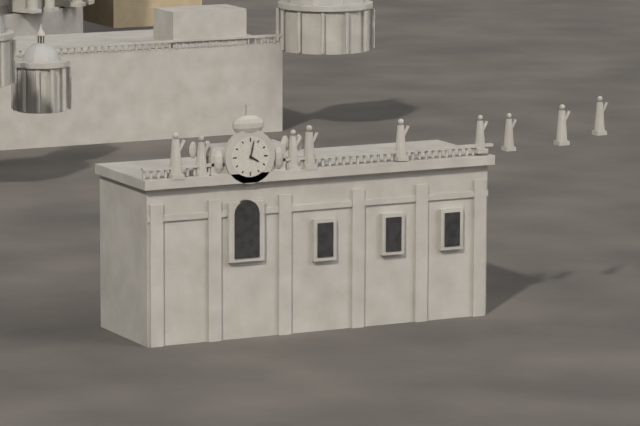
4:02
